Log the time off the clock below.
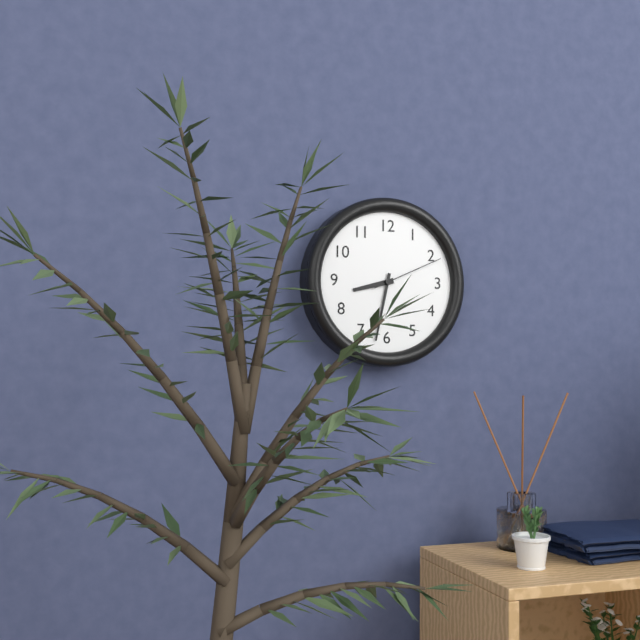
8:32:11
